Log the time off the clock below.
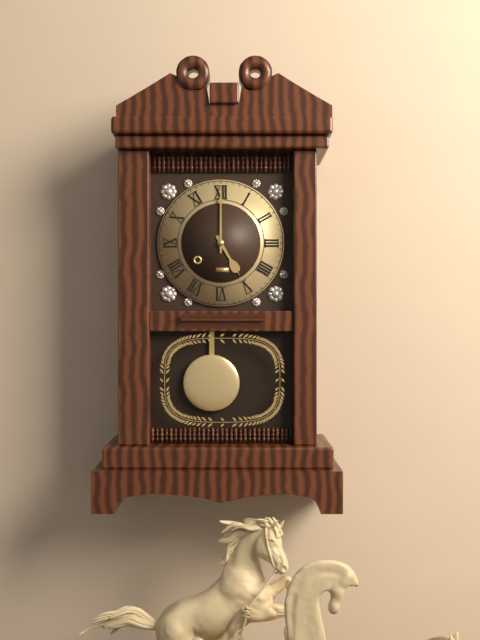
5:00
